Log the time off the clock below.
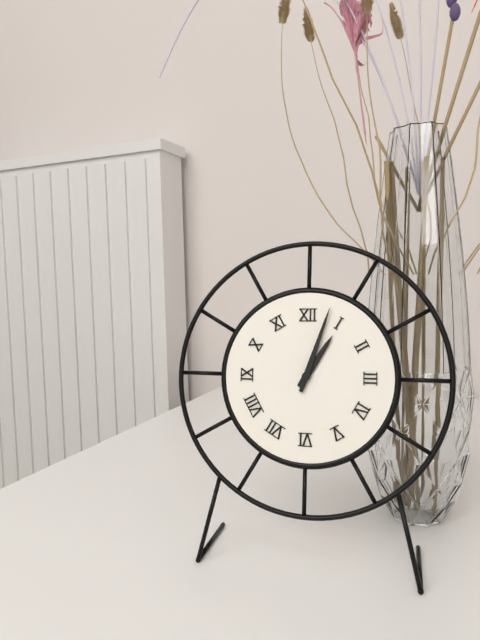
1:03
